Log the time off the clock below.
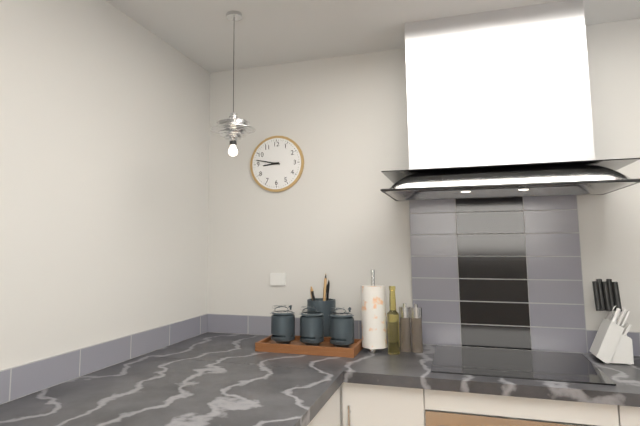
8:47
